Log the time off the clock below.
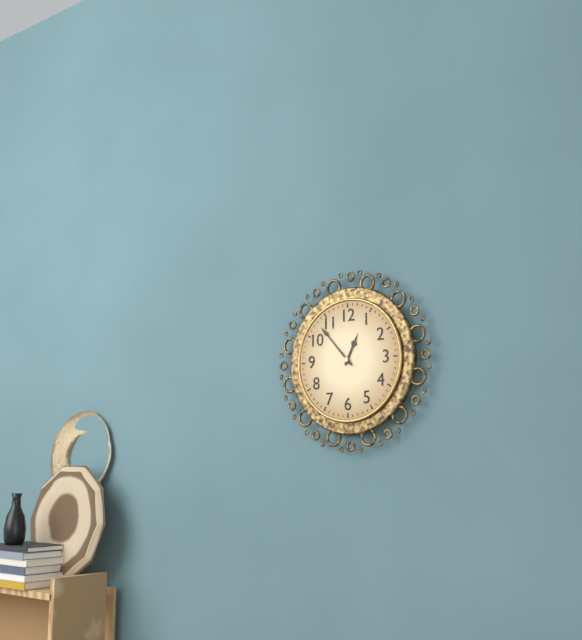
12:53
